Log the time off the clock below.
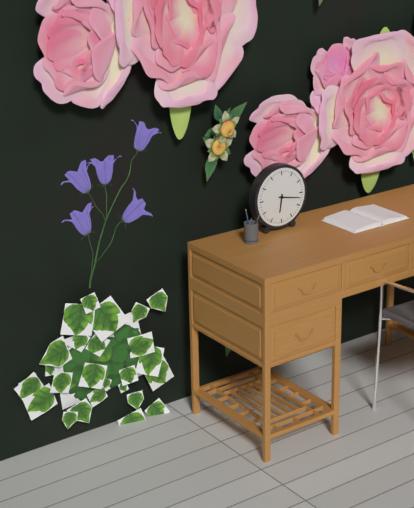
6:17
